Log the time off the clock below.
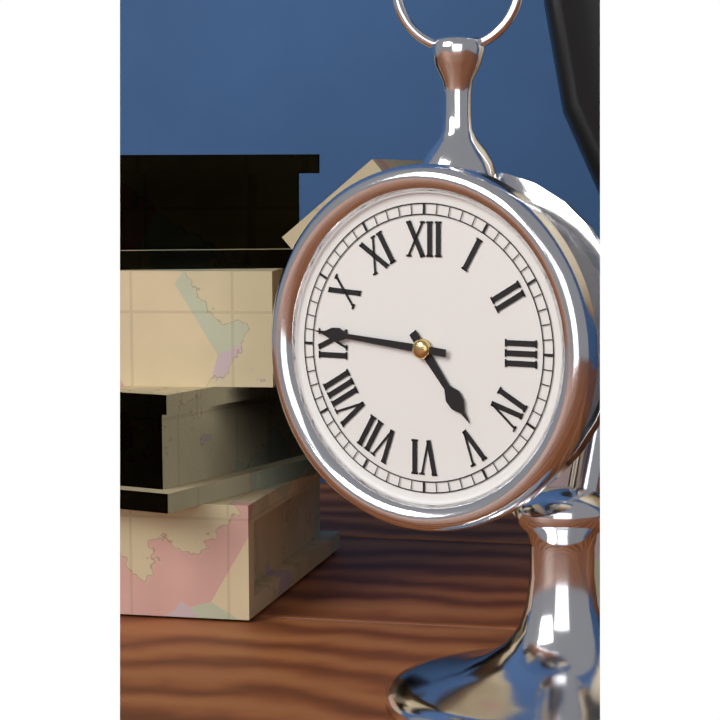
4:46
